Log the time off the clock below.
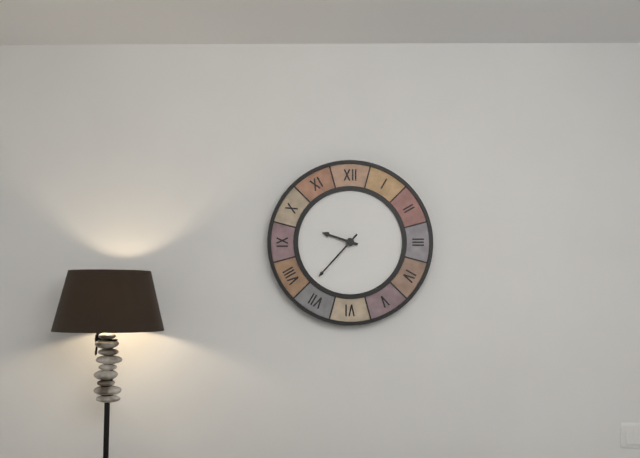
9:37
